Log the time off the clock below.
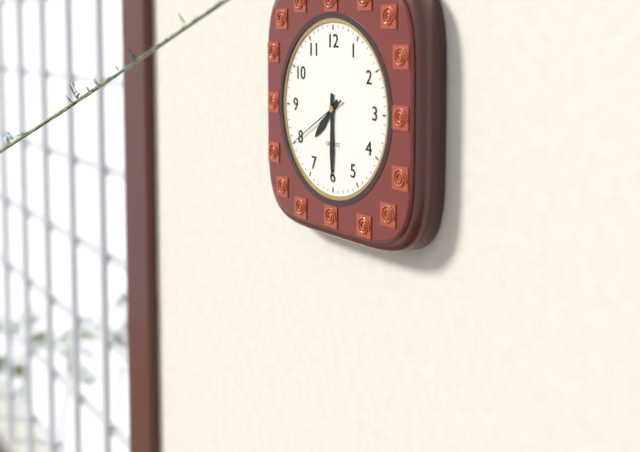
7:30:40
